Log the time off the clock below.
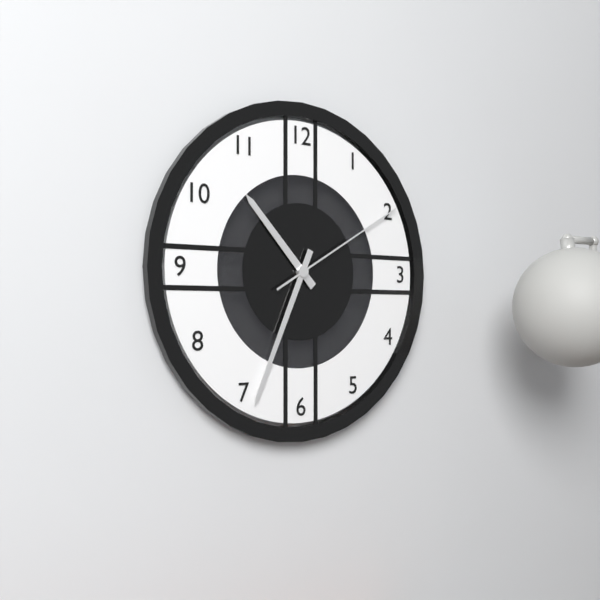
10:34:10
